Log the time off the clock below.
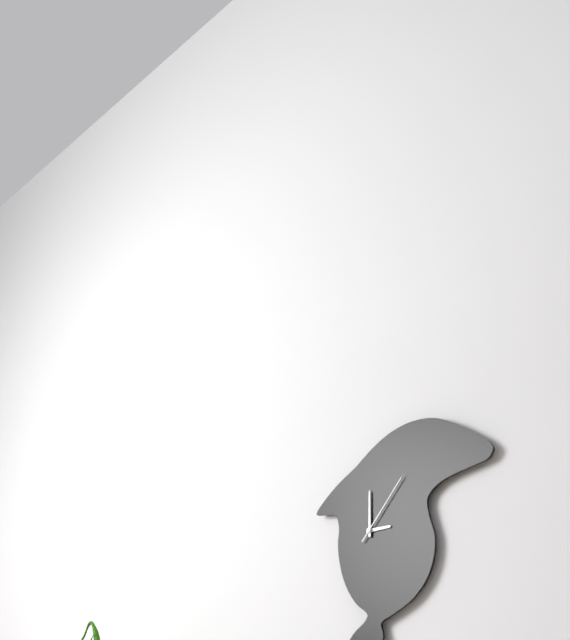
3:00:07
